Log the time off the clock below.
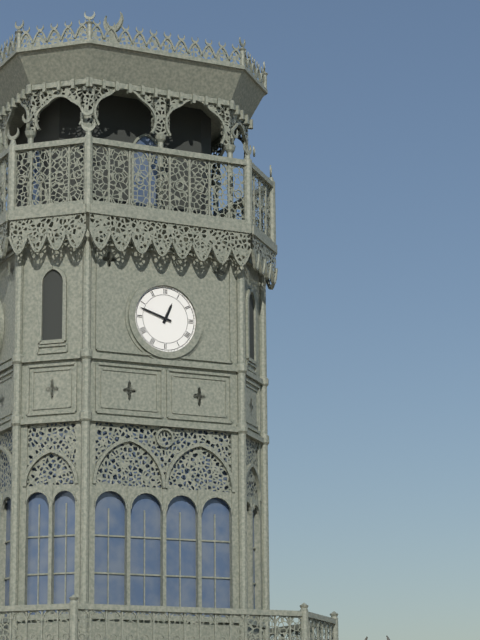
12:48
